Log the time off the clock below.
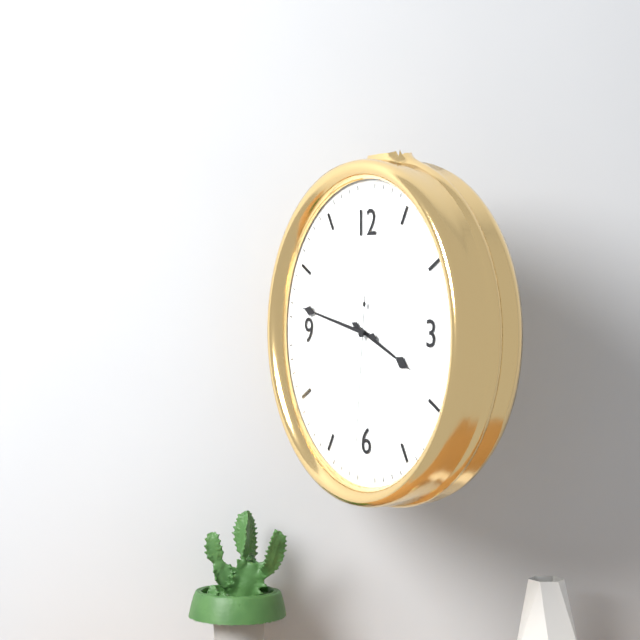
3:47:31
